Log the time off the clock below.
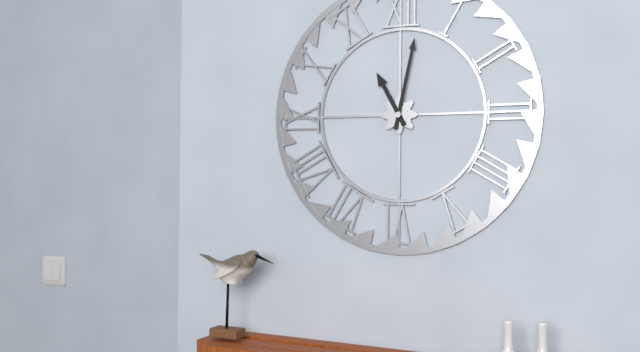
11:02
